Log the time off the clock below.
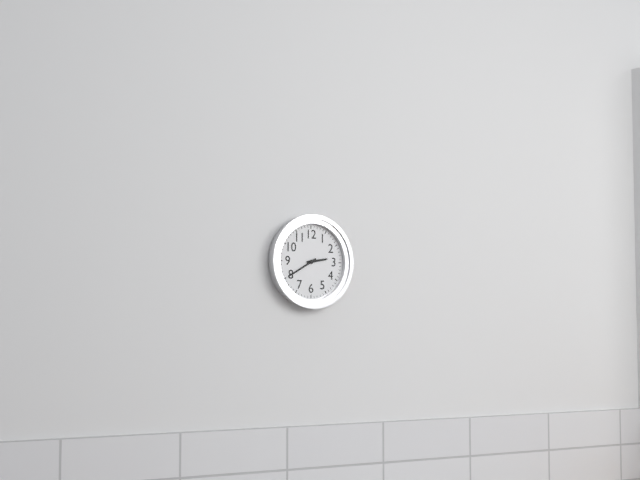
2:40
